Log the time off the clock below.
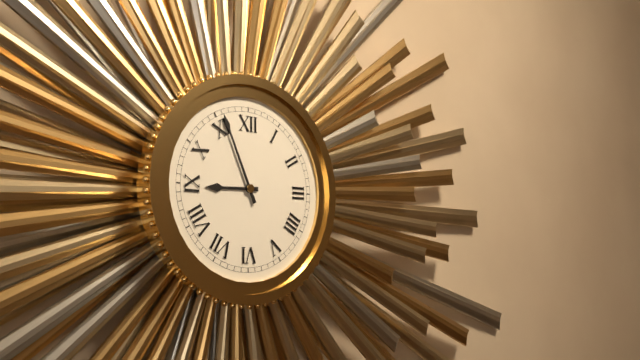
8:56
